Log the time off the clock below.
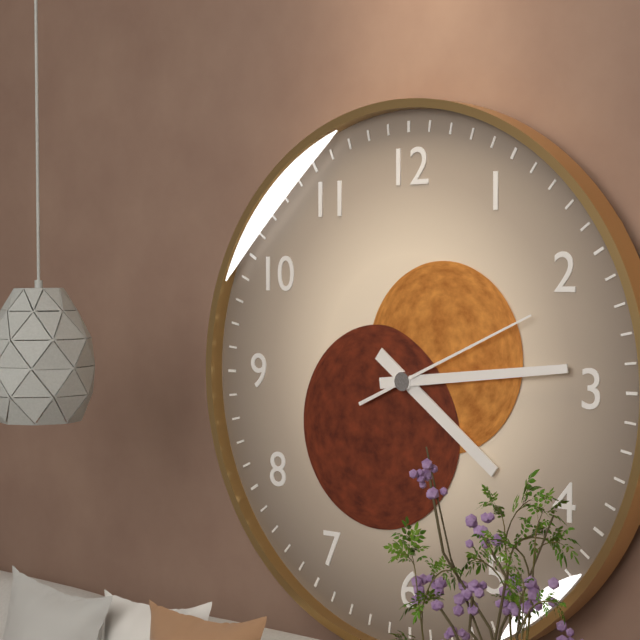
4:14:11
